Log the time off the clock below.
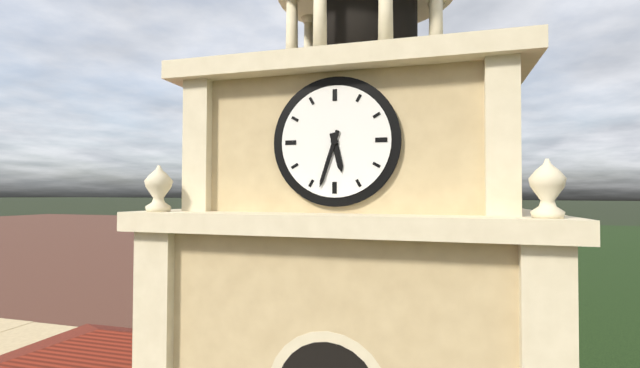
5:33
